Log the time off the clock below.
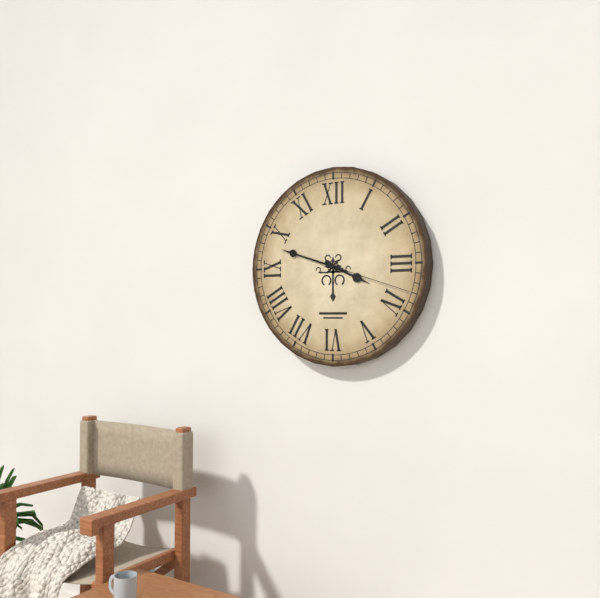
3:48:18
